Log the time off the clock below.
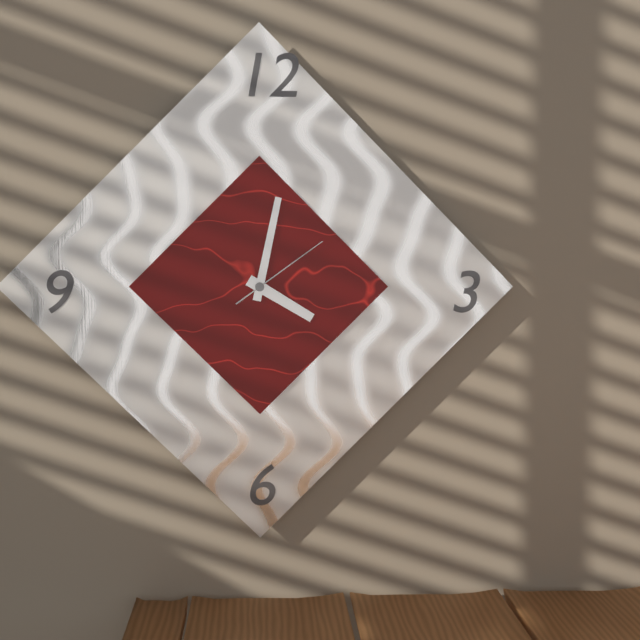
4:02:09
